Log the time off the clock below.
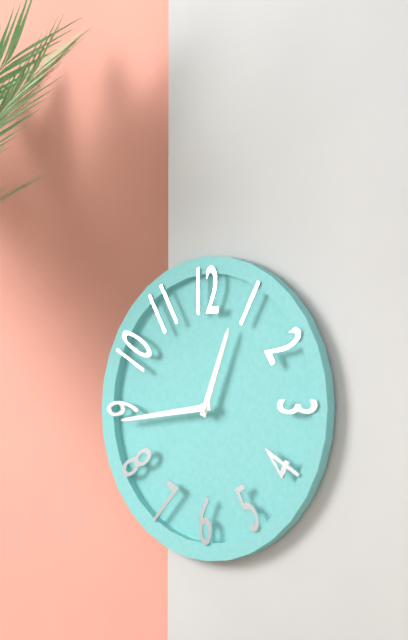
12:44
